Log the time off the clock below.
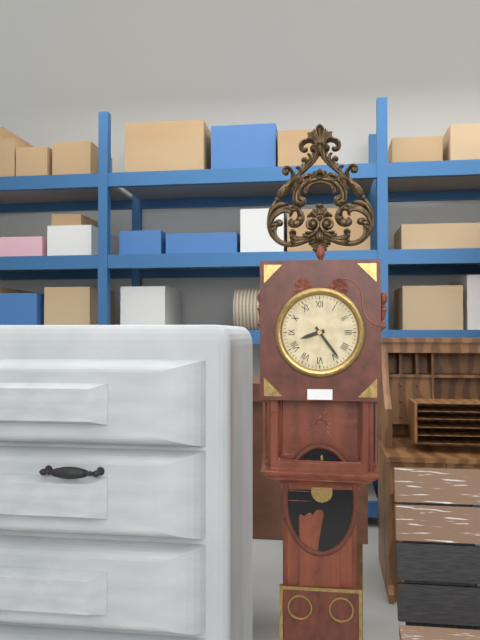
8:24
